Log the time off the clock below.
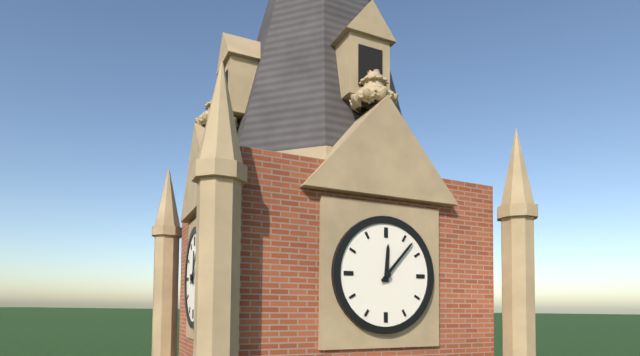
12:07
